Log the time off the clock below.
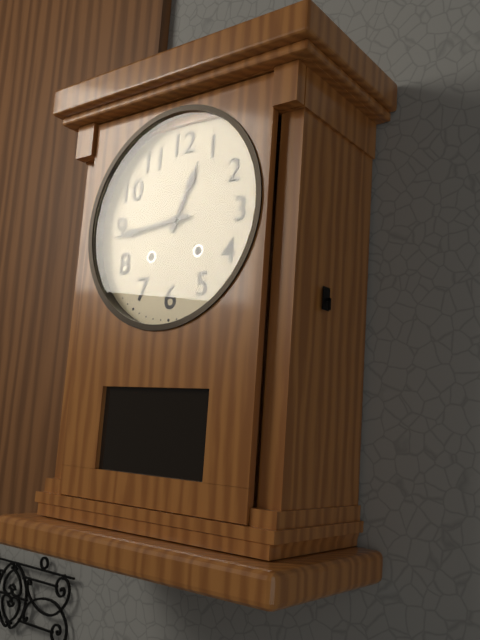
12:44
